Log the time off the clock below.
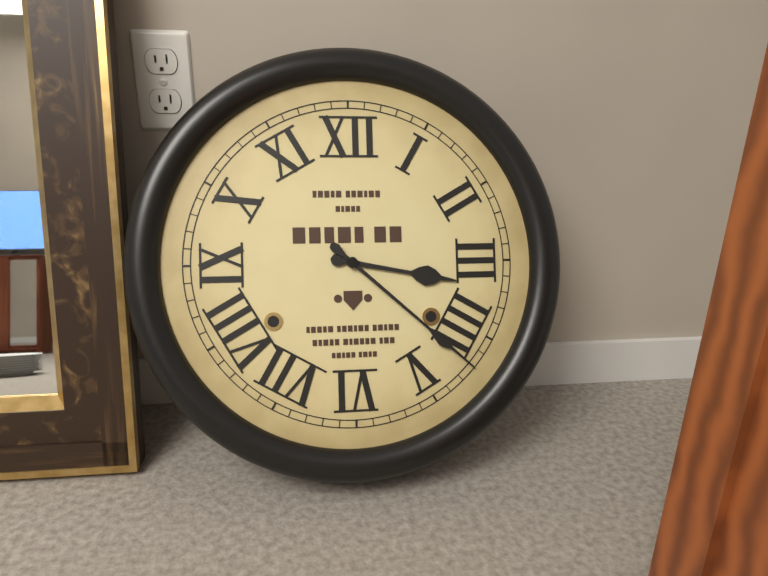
3:22
